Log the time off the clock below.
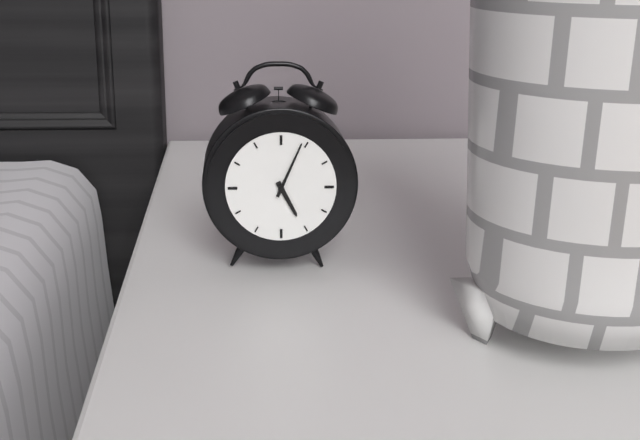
5:04
